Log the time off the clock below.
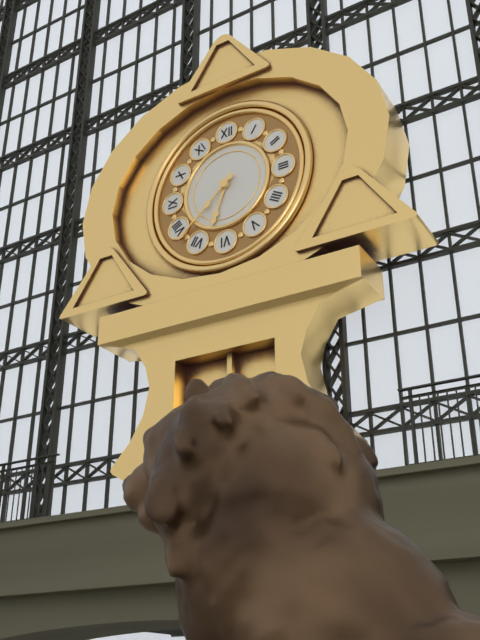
6:38
